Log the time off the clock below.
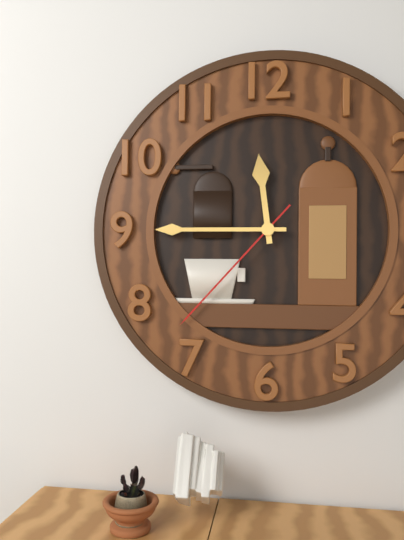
11:45:37
